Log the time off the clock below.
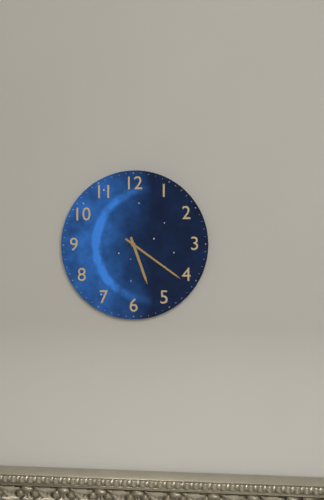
5:21
